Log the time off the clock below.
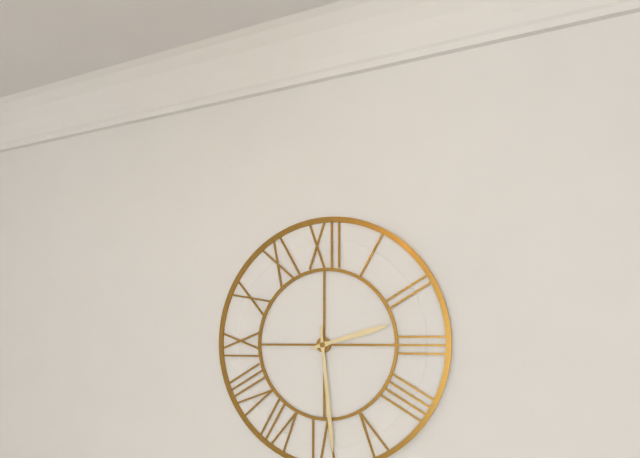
2:29
